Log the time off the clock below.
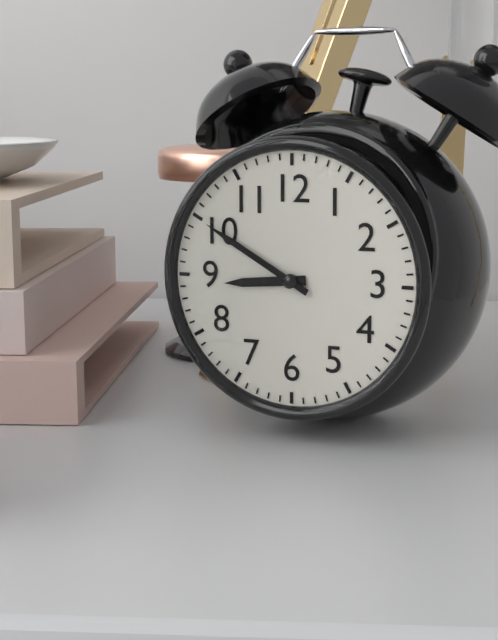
8:50
